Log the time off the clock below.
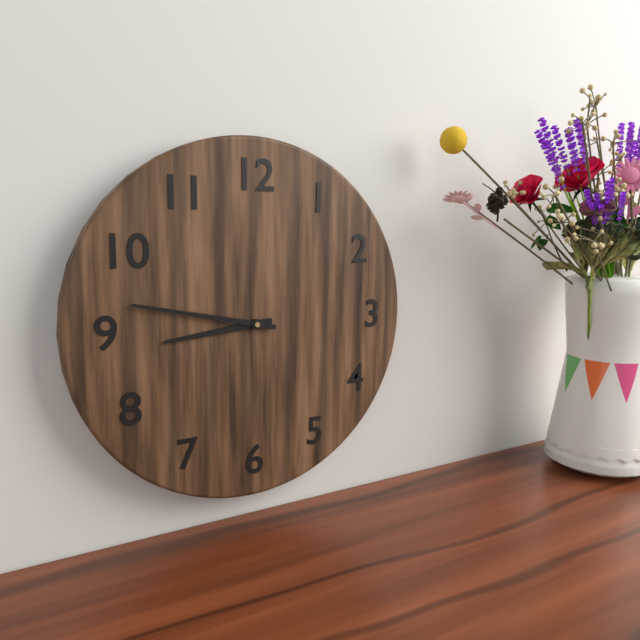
8:47
